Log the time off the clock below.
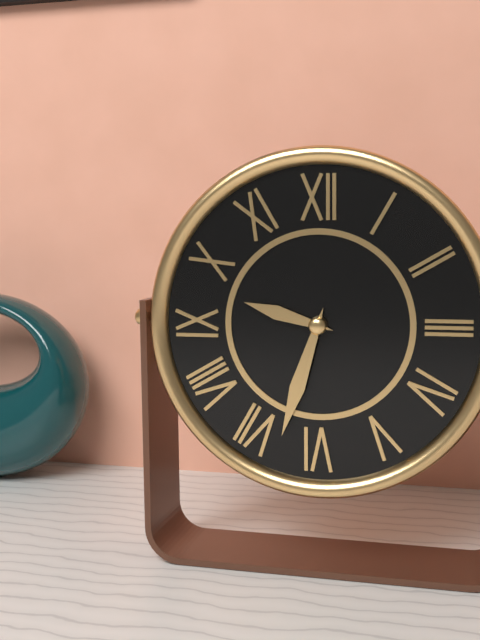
9:33
